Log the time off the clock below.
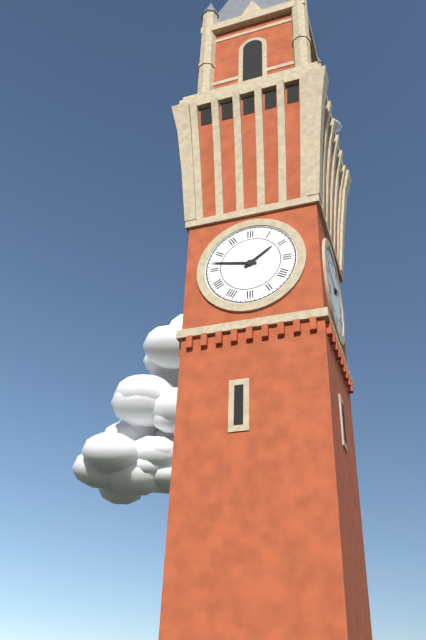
1:47
